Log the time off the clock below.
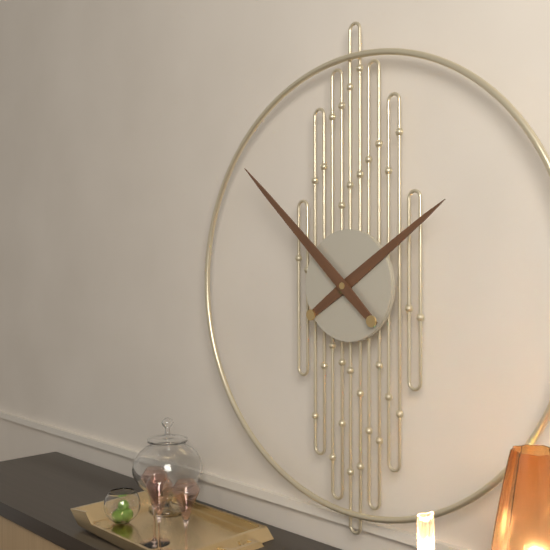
1:52
